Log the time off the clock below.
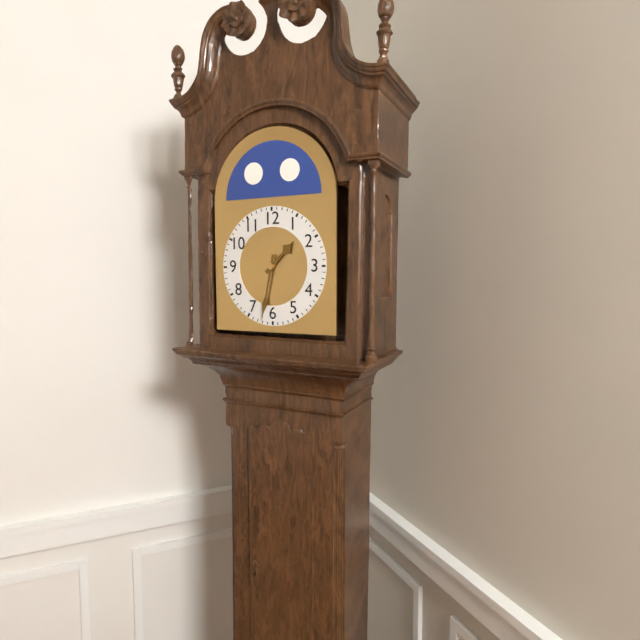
1:32
